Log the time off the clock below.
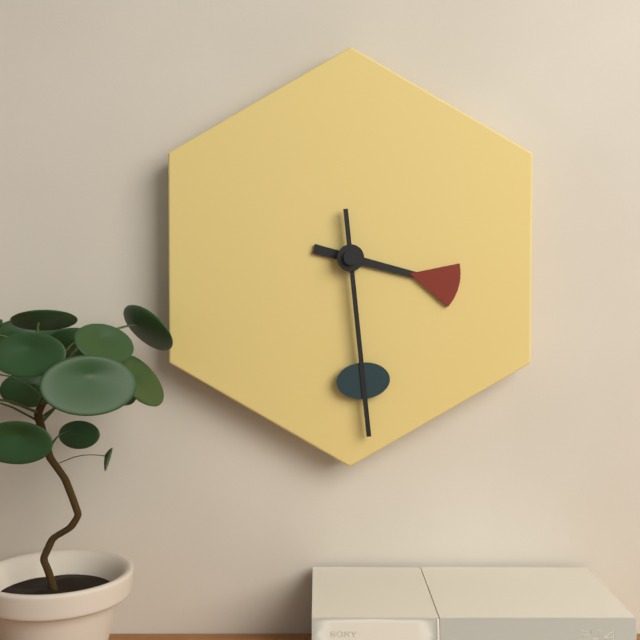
3:29
